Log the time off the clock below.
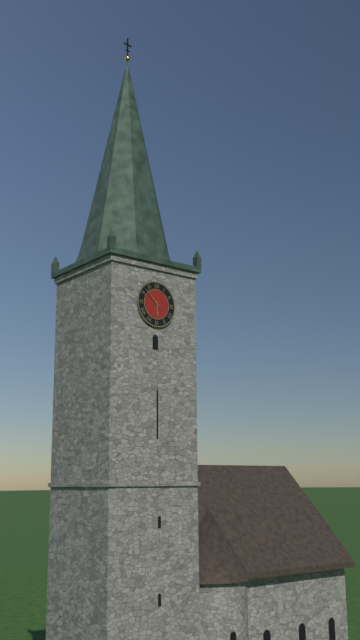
5:52
